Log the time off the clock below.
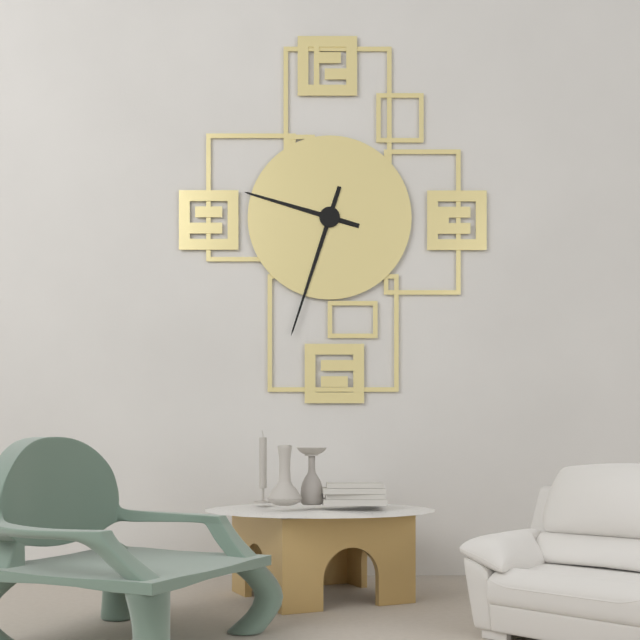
9:33
